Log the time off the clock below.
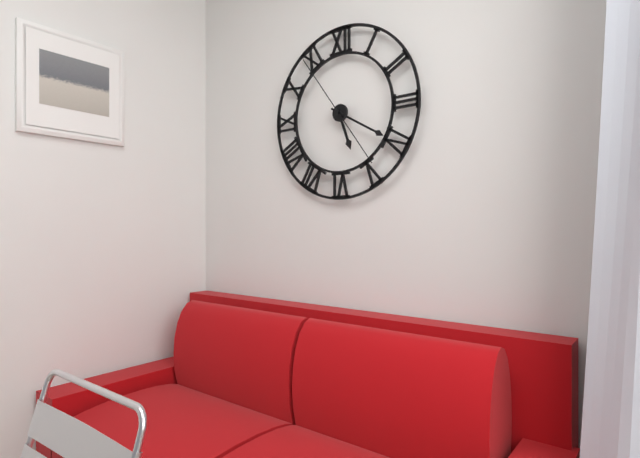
5:20:54
